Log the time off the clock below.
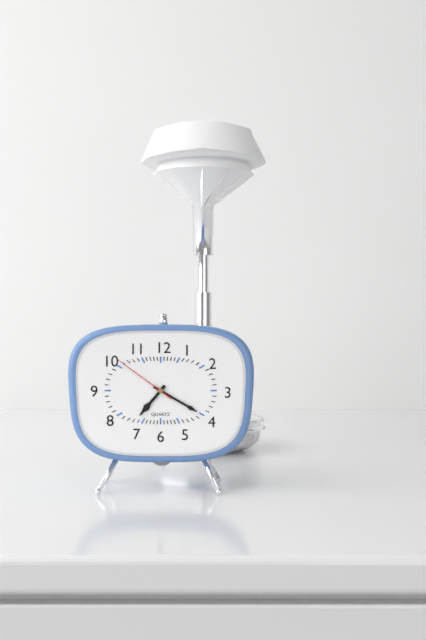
7:20:51
